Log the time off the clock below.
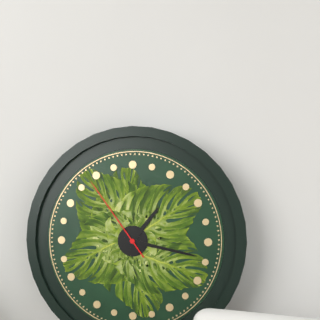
1:17:54
